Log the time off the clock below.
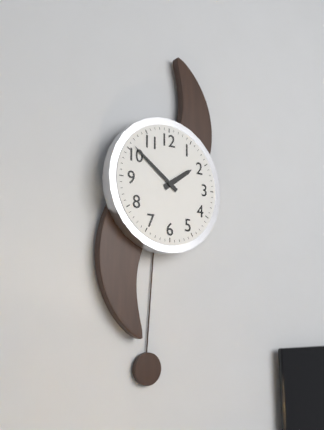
1:51
